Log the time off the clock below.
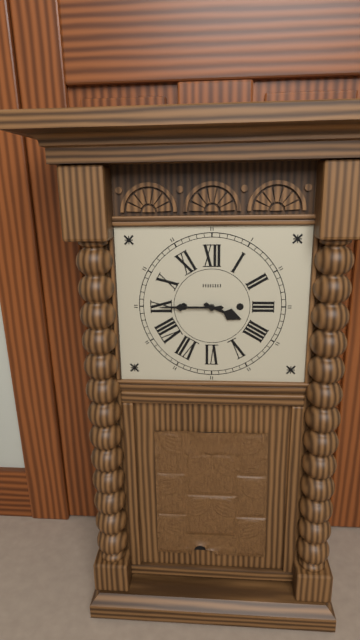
3:45
